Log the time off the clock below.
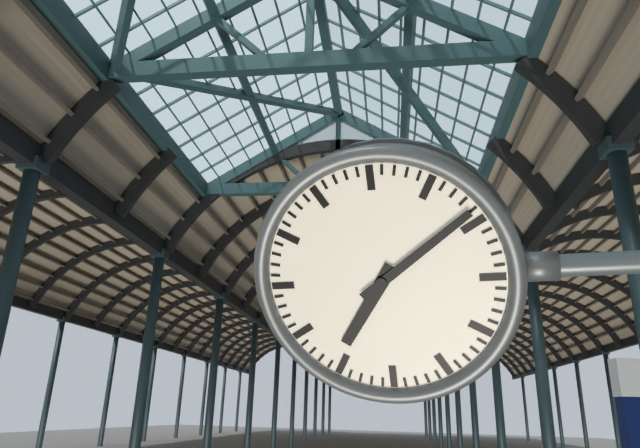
7:09
